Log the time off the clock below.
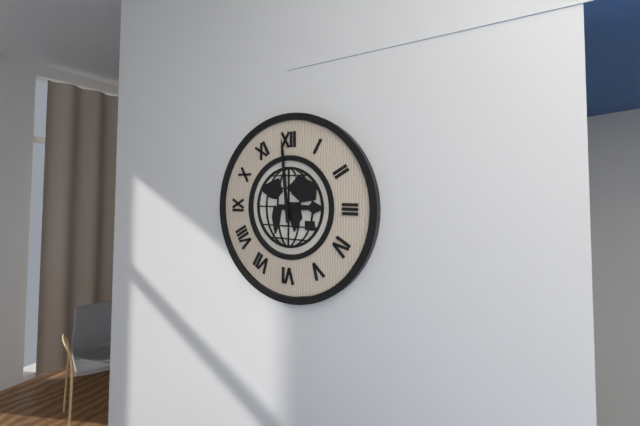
2:59
